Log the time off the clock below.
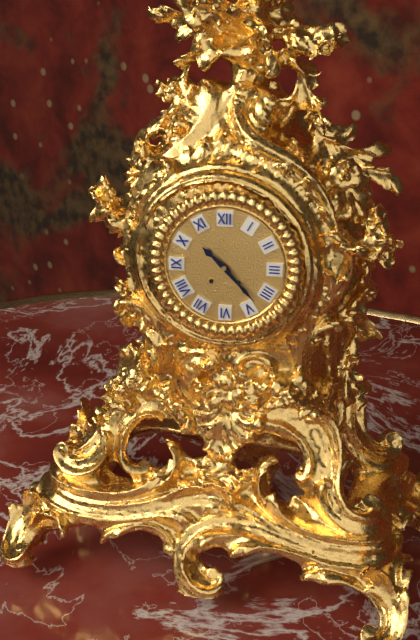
10:23
